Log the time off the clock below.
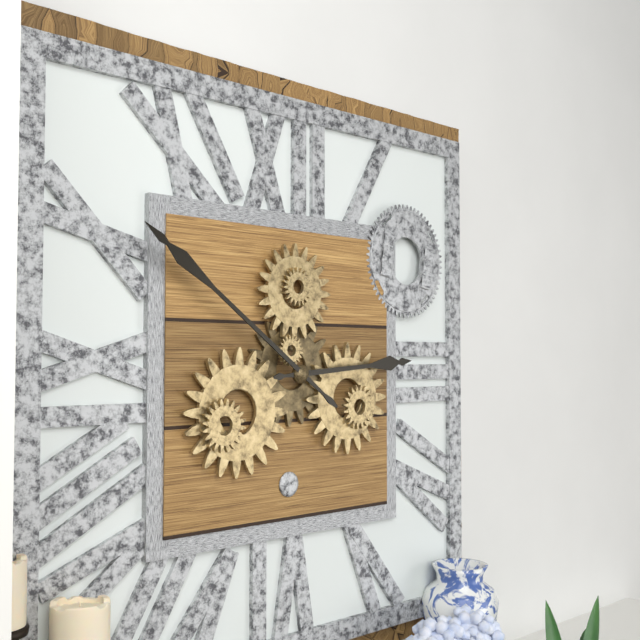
2:51
